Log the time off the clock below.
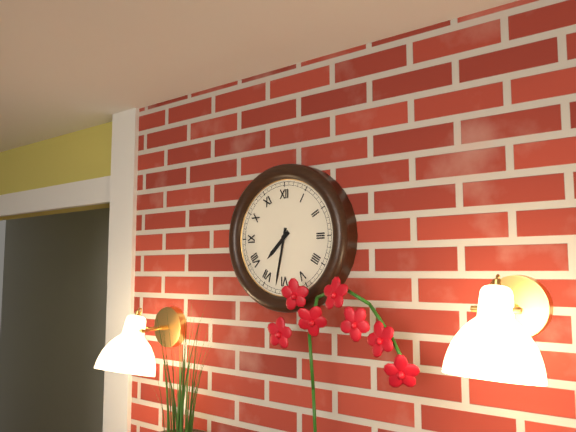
7:32
